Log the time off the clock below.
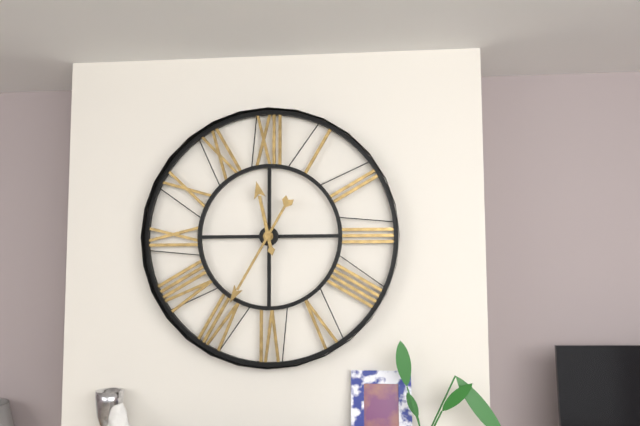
11:35
